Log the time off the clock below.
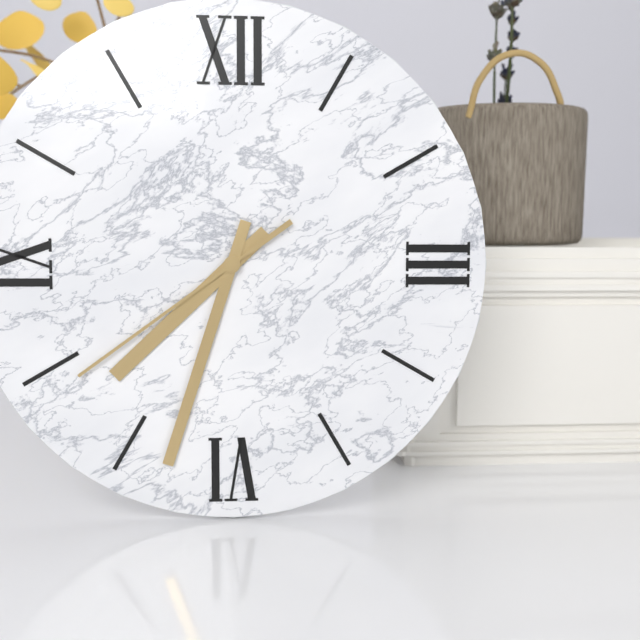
7:33:39
